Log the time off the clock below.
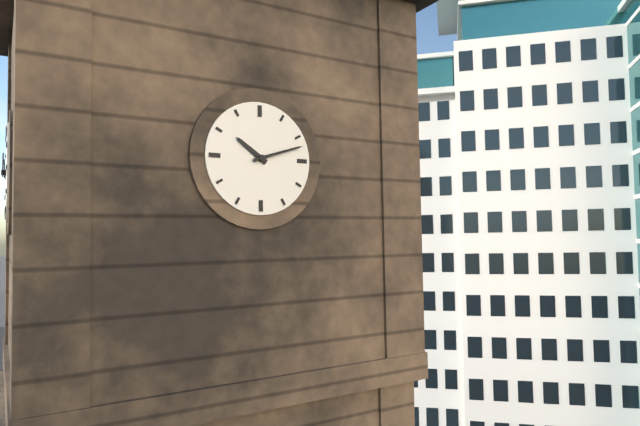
10:12
